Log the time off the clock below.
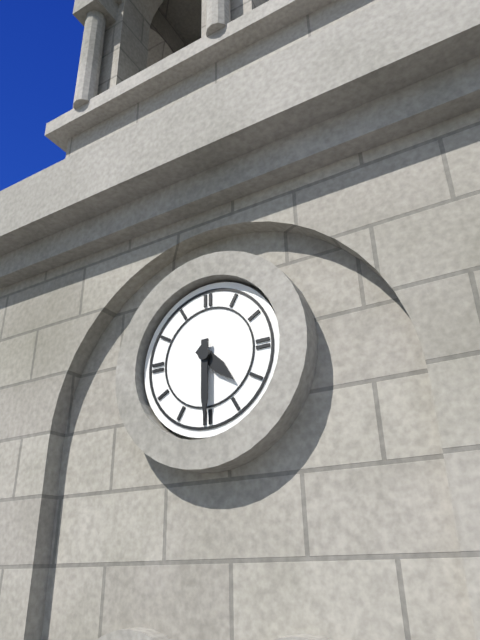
4:30
